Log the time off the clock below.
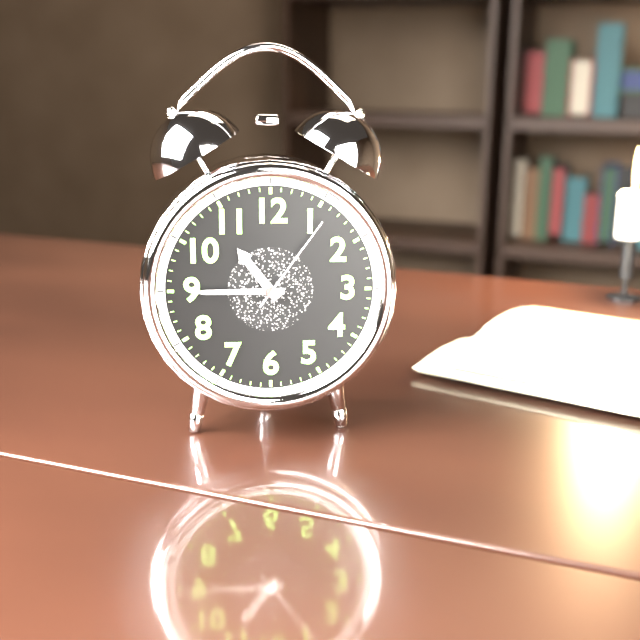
10:45:06
